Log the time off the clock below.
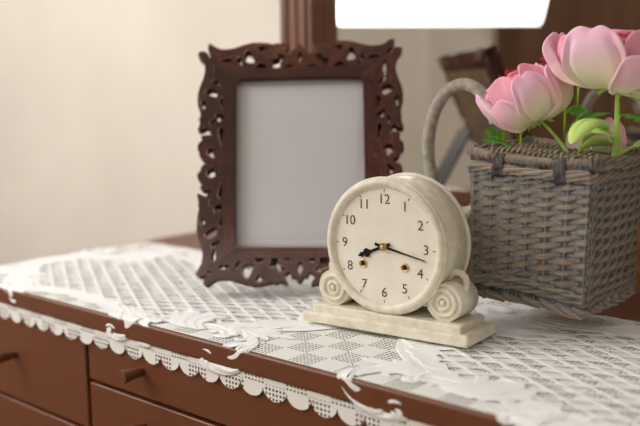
8:17
